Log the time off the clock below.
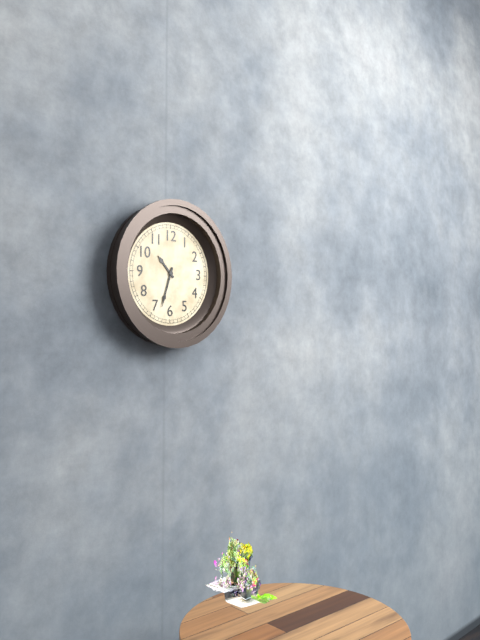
10:33
